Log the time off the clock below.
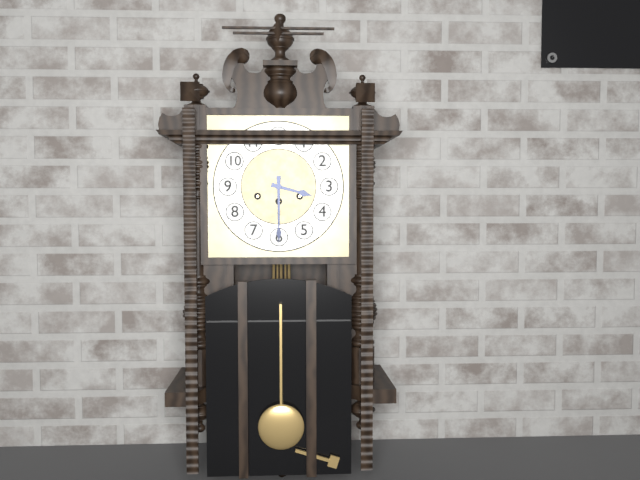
3:30
